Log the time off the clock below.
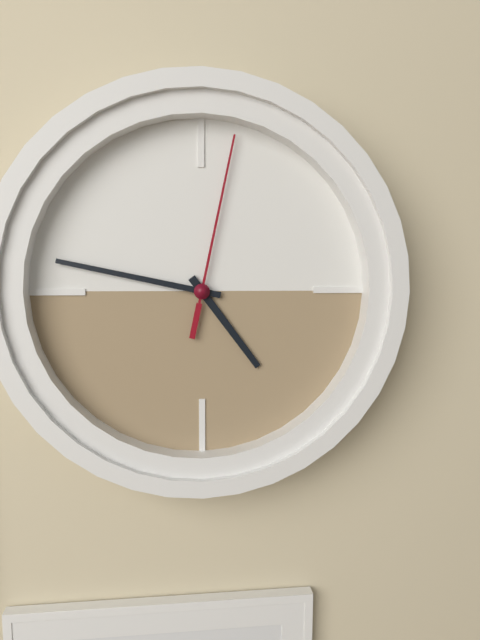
4:47:02
